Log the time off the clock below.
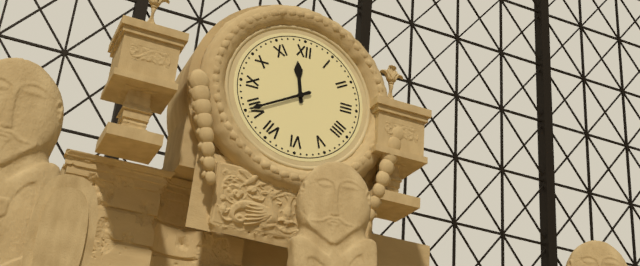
11:40
